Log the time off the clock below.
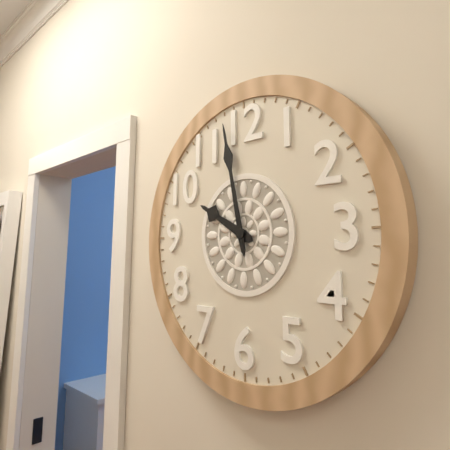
9:58
